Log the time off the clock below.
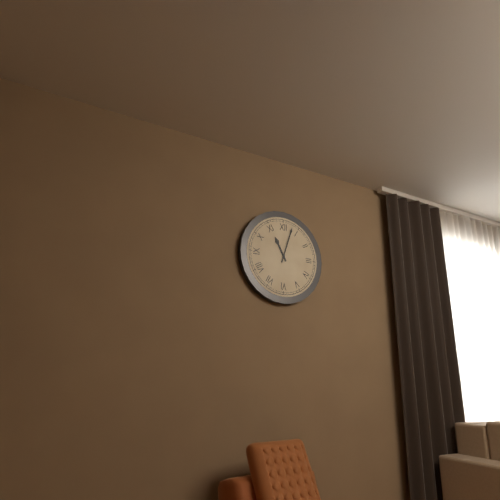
11:03
